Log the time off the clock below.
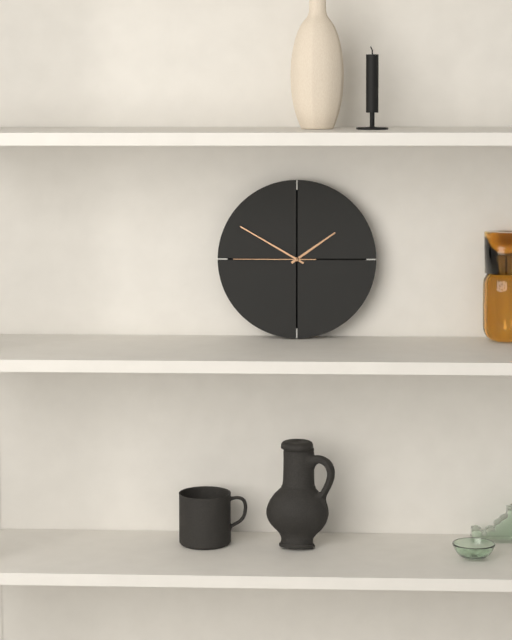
1:50:45
